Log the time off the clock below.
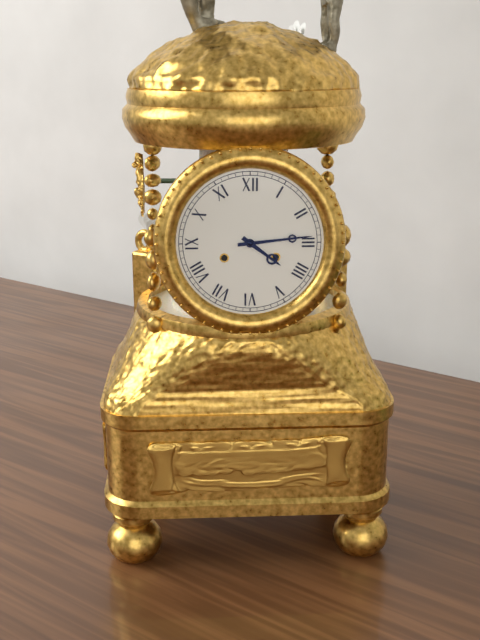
4:14
